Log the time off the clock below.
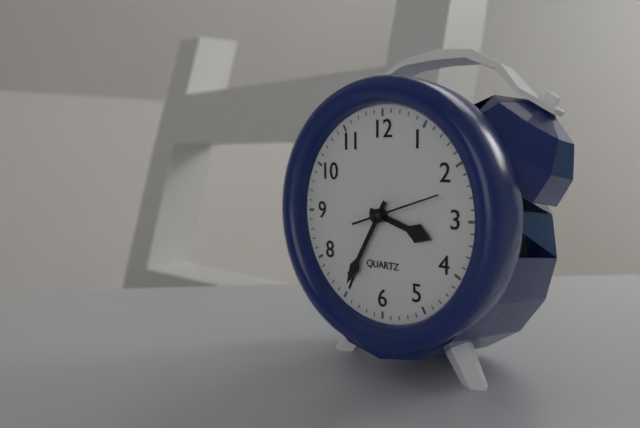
3:35:12
